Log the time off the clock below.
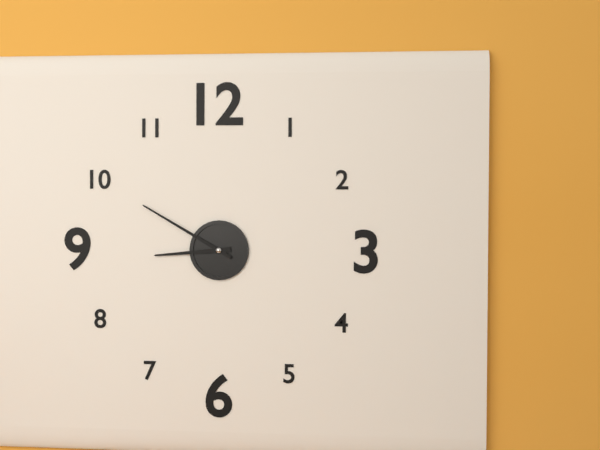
8:50
